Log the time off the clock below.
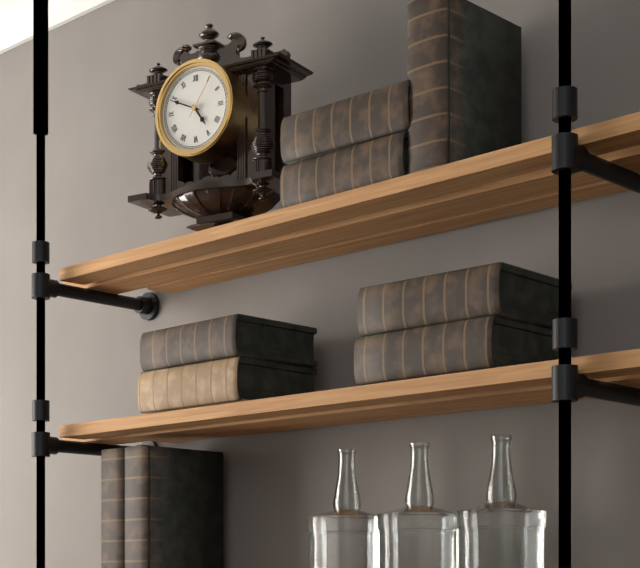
4:49
